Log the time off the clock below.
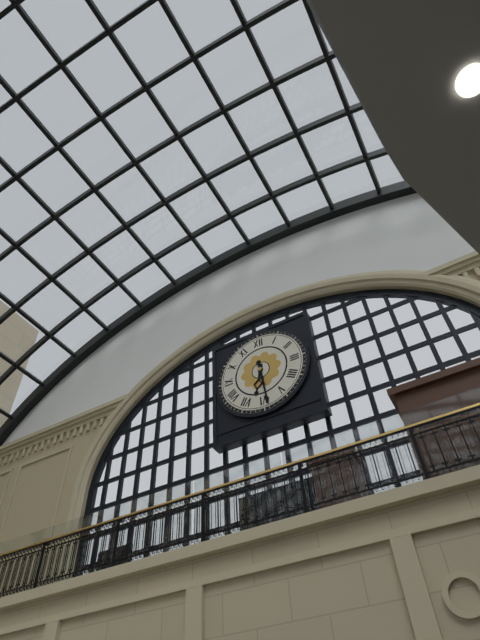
6:29
